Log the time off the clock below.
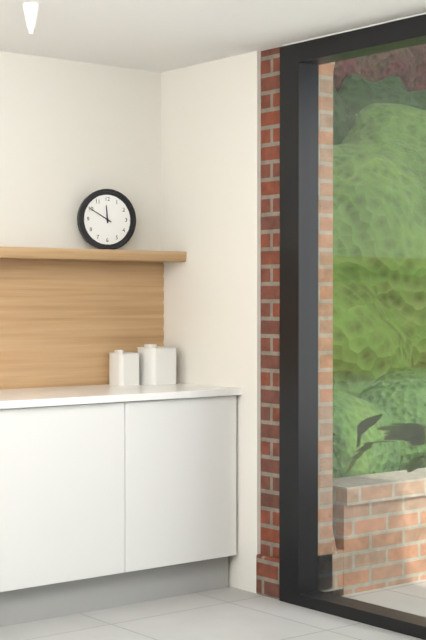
11:50
